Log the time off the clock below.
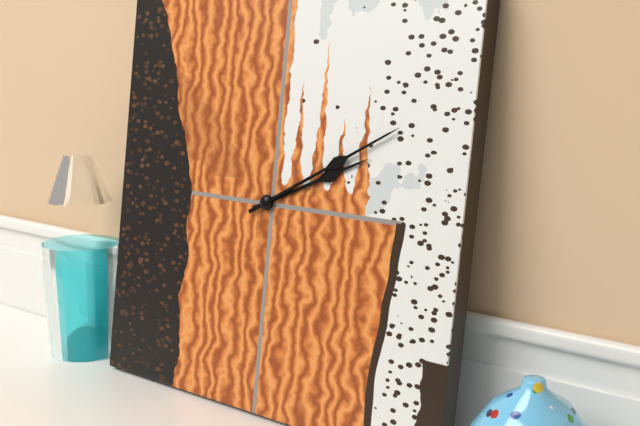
2:10
